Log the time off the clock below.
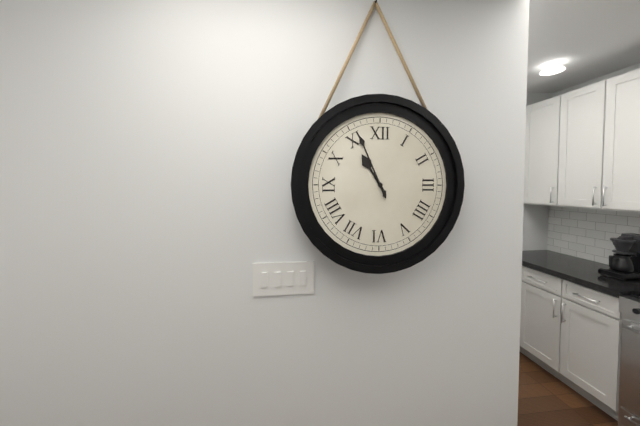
10:56
